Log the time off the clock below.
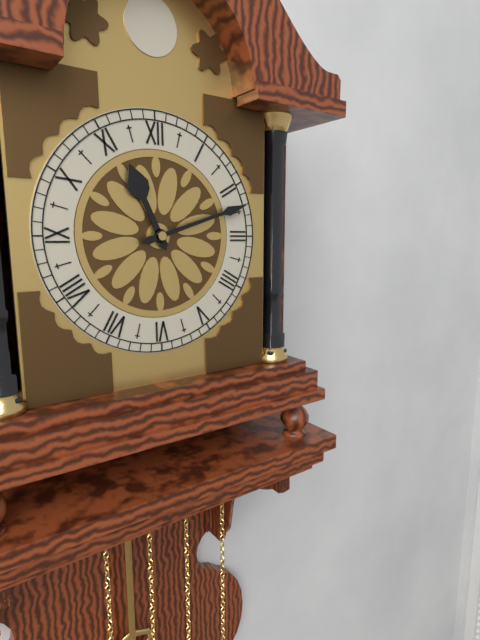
11:12
